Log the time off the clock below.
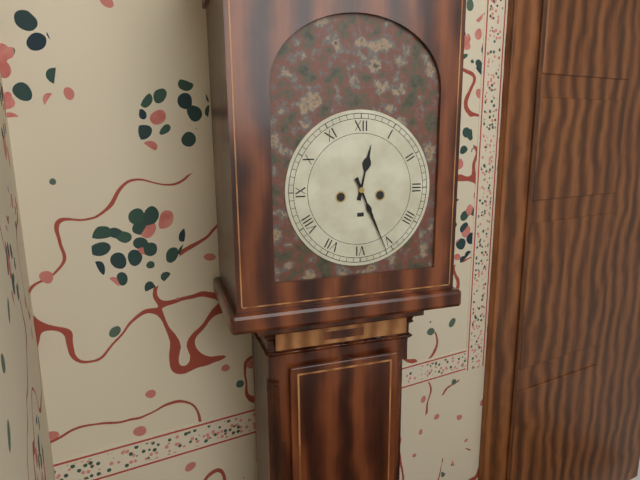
12:26
